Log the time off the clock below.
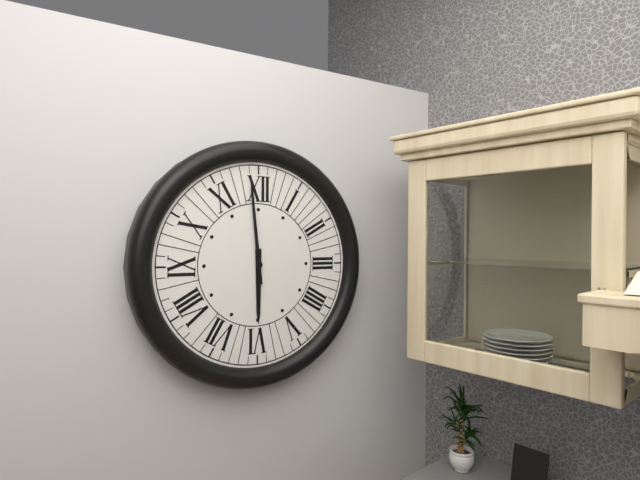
5:59
